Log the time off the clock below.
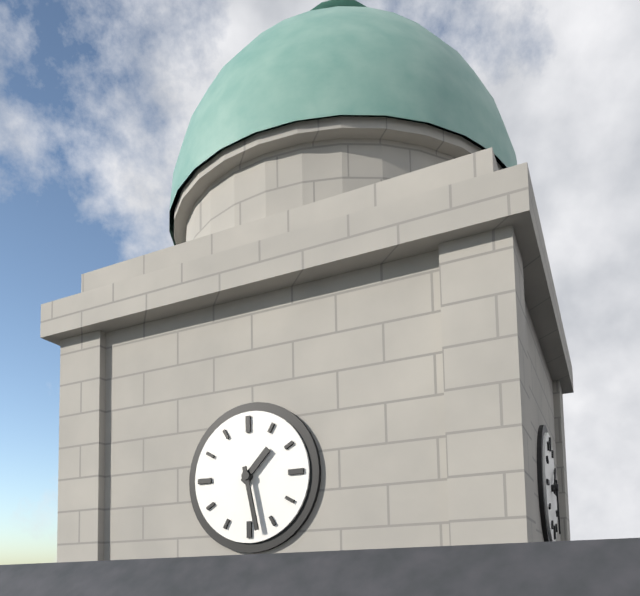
1:28
